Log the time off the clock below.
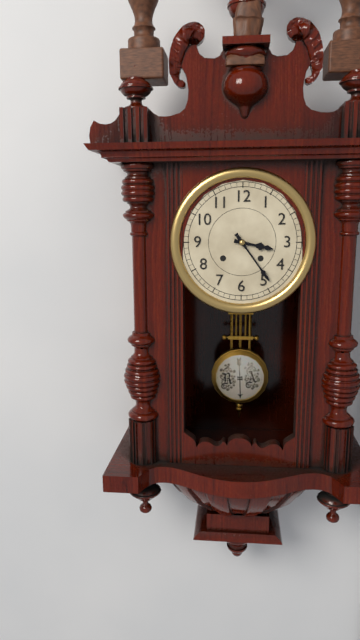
3:24
